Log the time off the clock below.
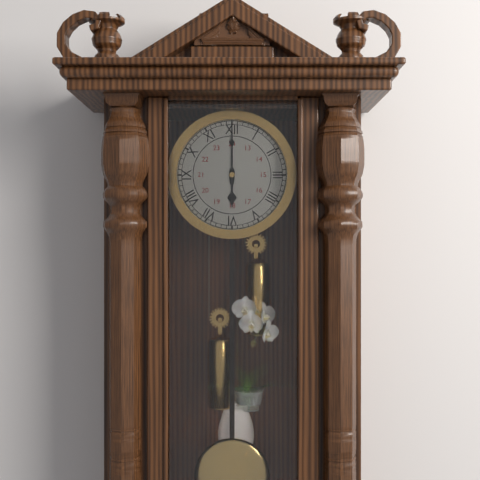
6:00
